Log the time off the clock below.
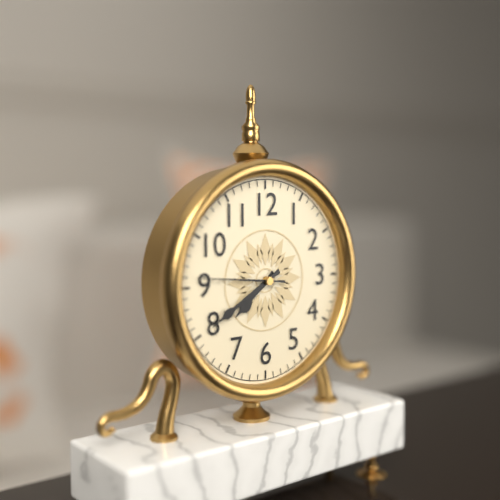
7:40:46
